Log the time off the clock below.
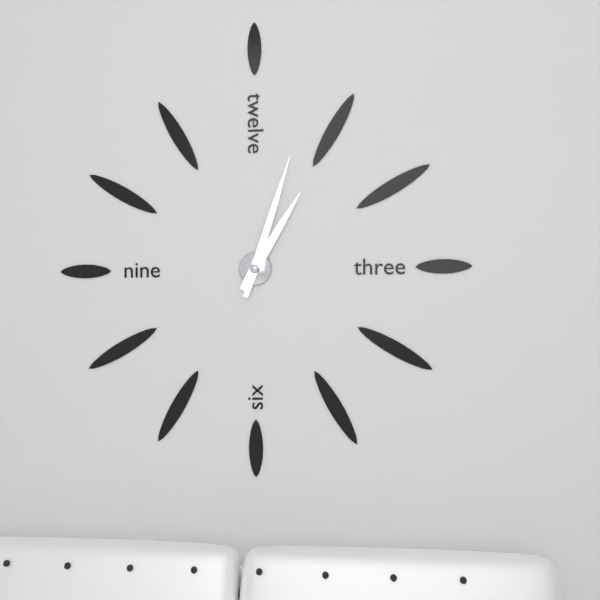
1:03
